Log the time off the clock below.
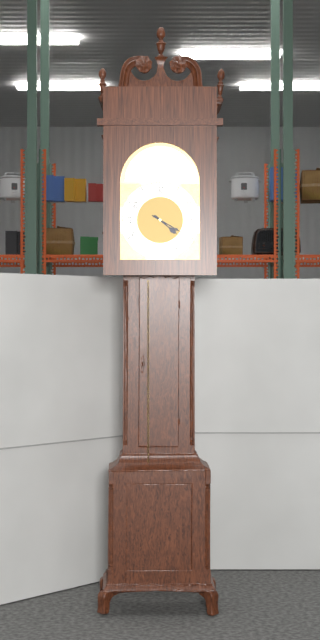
4:20
